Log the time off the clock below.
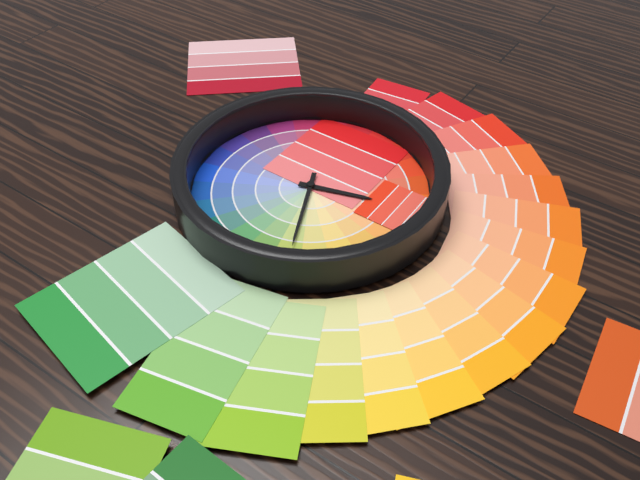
2:26
